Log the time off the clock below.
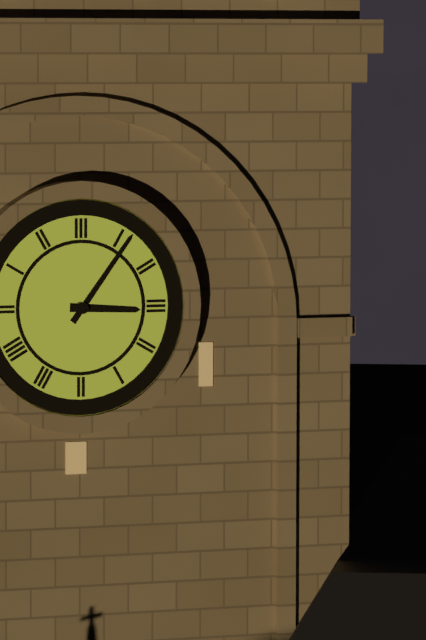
3:06
